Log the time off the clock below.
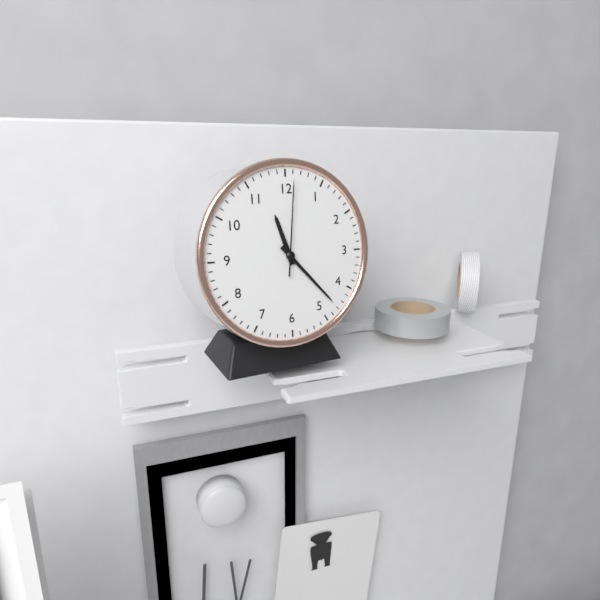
11:23:01
